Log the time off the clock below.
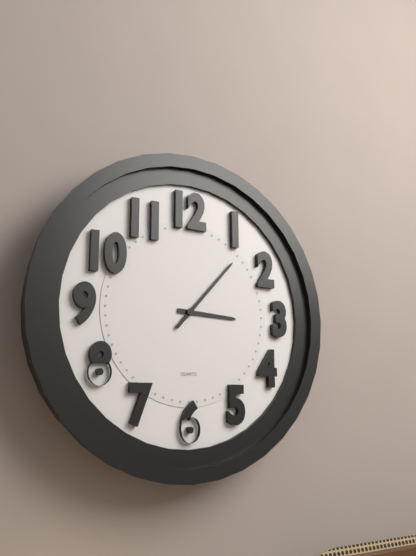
3:07
